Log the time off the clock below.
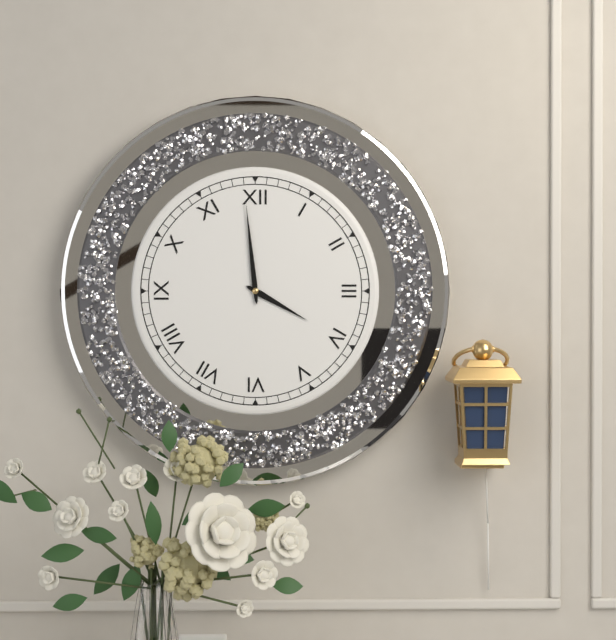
3:59
